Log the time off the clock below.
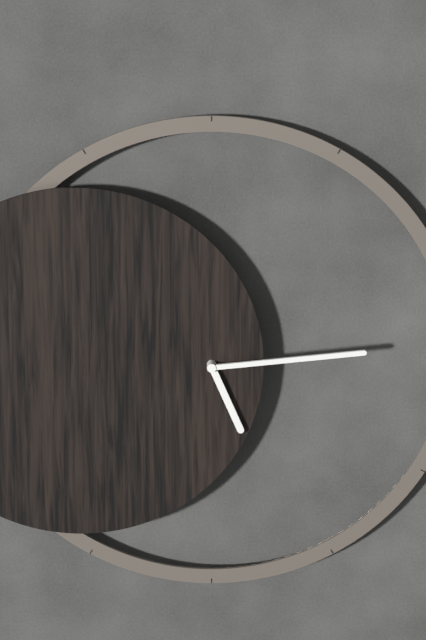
5:14
